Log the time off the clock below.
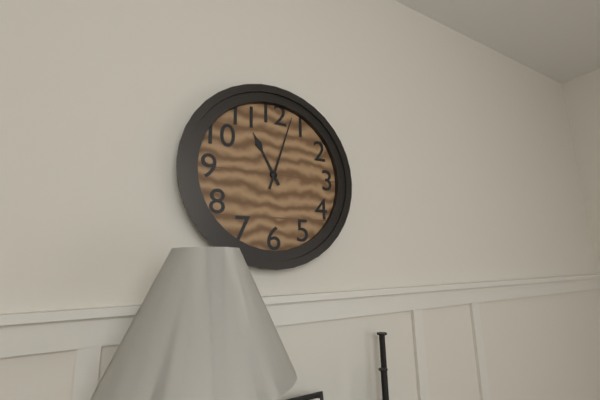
11:03
